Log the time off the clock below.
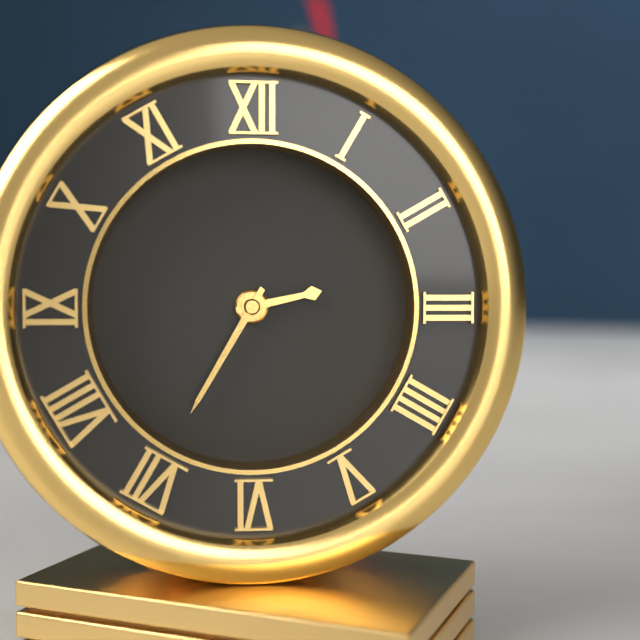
2:35
